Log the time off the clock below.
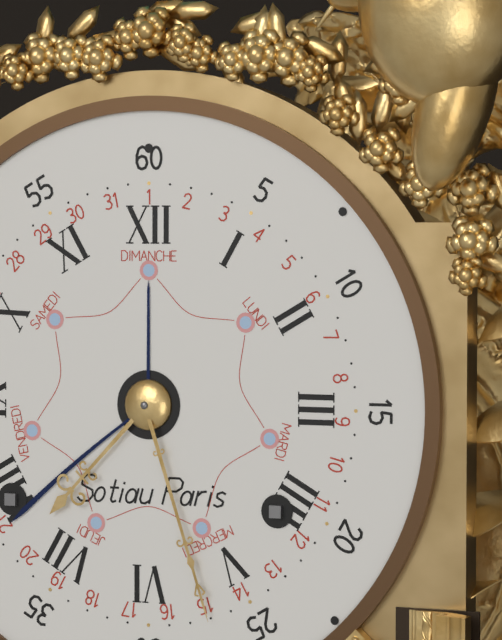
7:27
